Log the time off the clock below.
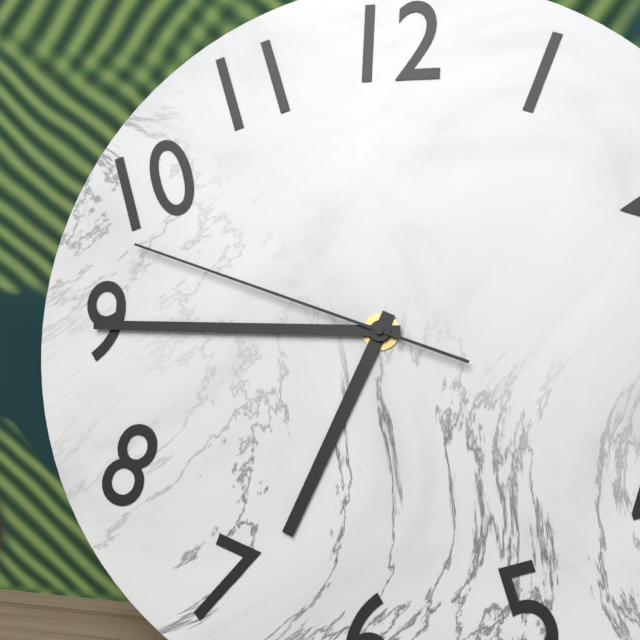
6:45:48
